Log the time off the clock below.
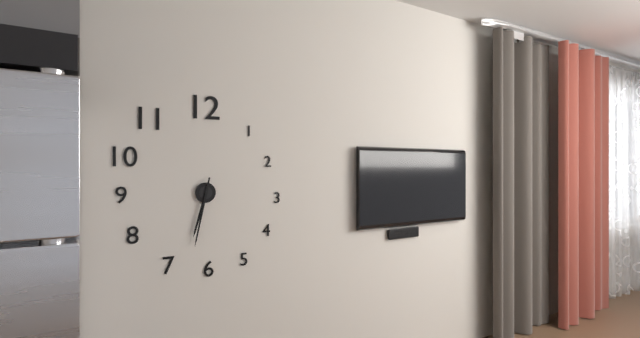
6:32
